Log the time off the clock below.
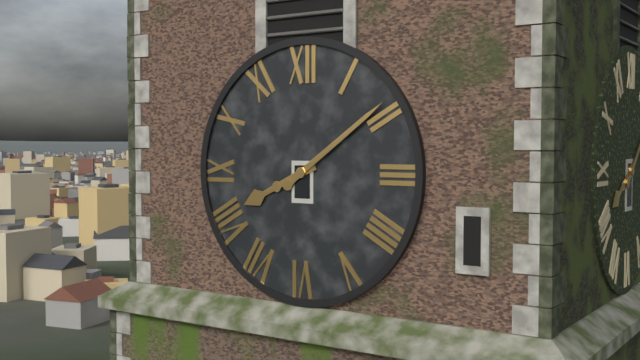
8:09
